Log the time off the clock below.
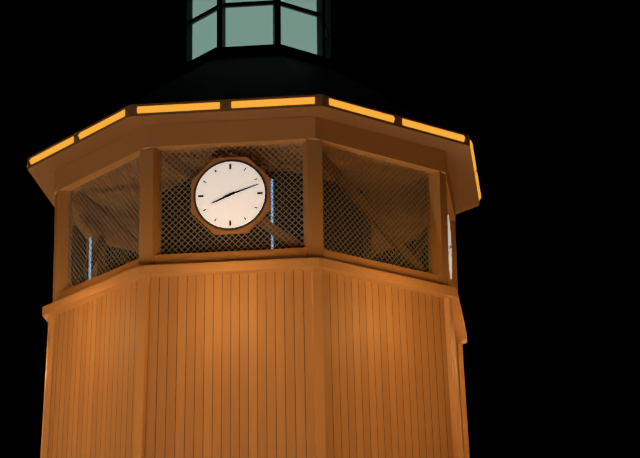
8:12
